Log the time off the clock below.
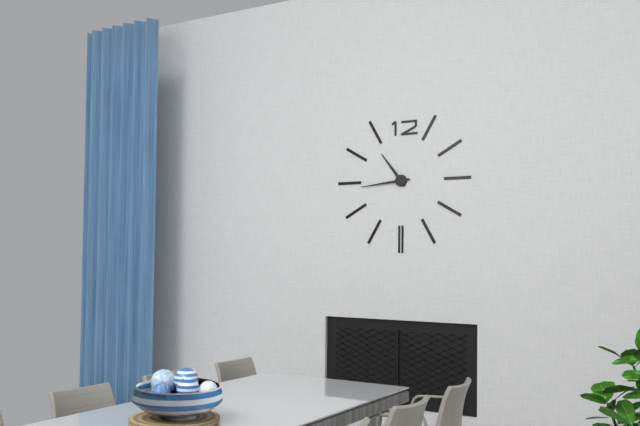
10:44
